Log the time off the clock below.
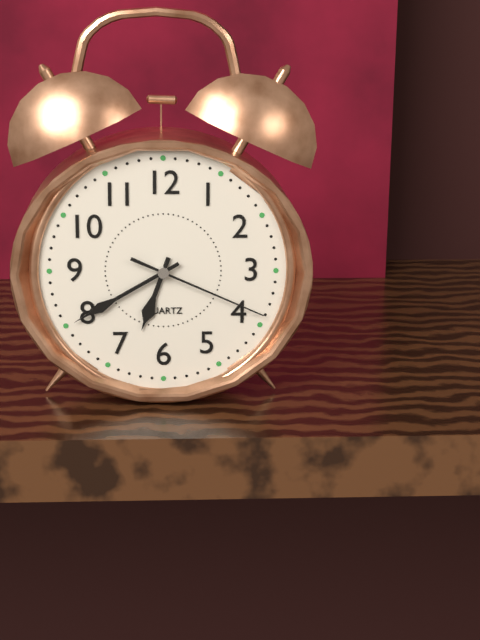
6:40:19
